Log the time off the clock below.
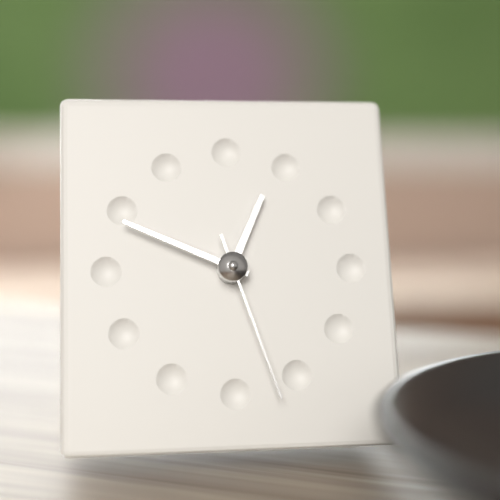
12:49:27
